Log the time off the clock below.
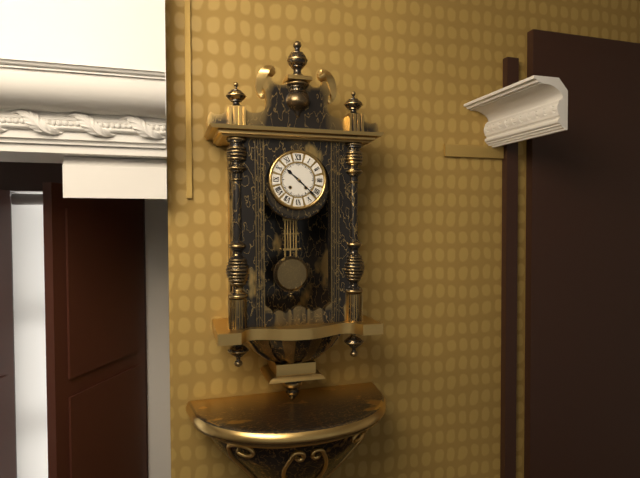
10:22
